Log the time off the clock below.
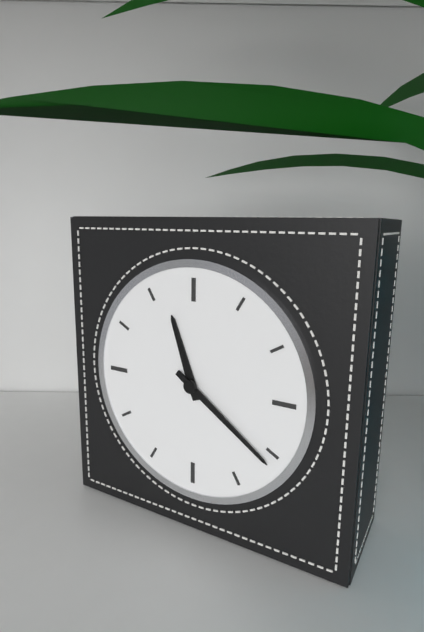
11:21
